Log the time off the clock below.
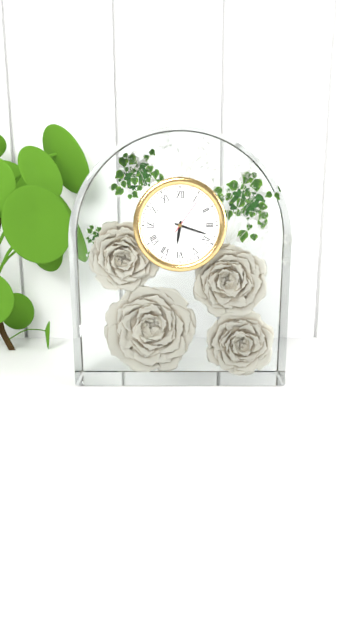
6:18
